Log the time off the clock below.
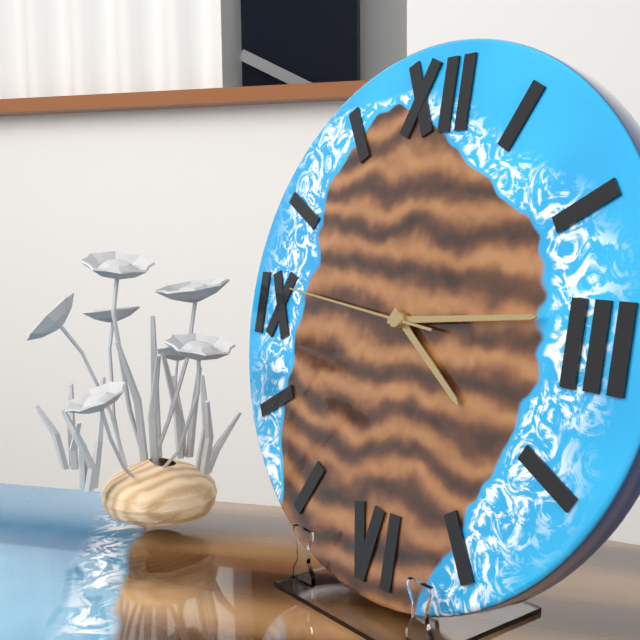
4:14:46
